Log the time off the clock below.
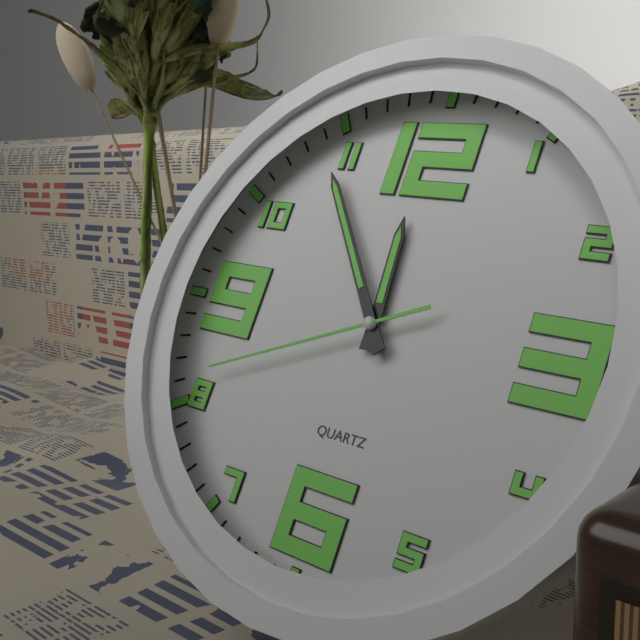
11:54:41
